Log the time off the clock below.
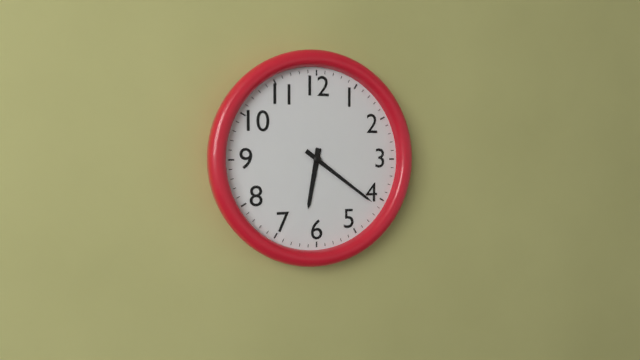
6:21
